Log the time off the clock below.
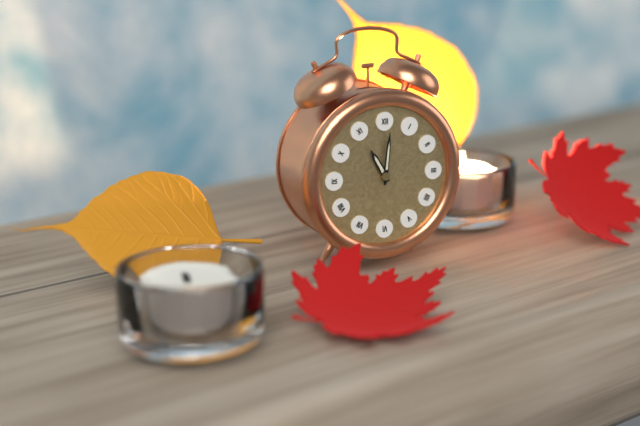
11:01
